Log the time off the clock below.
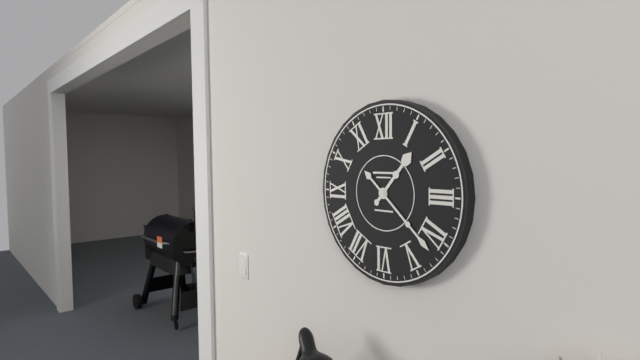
1:22
